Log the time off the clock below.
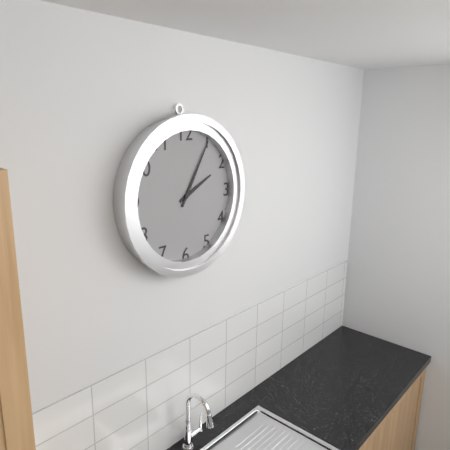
2:05
